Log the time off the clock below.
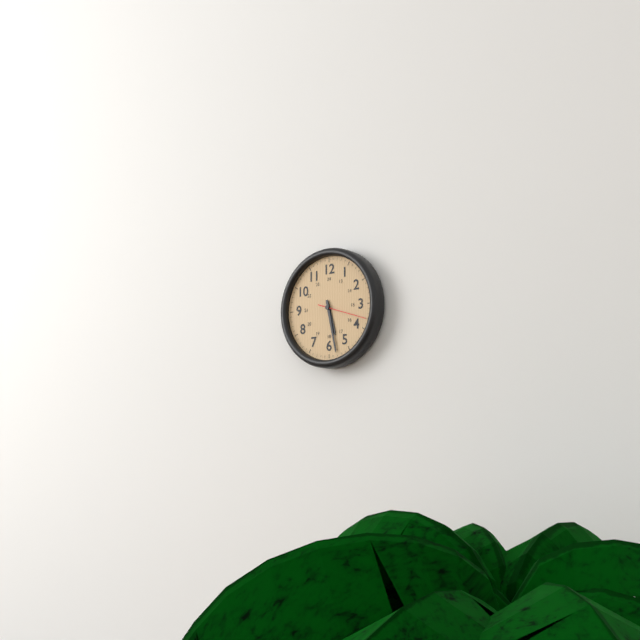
5:28
